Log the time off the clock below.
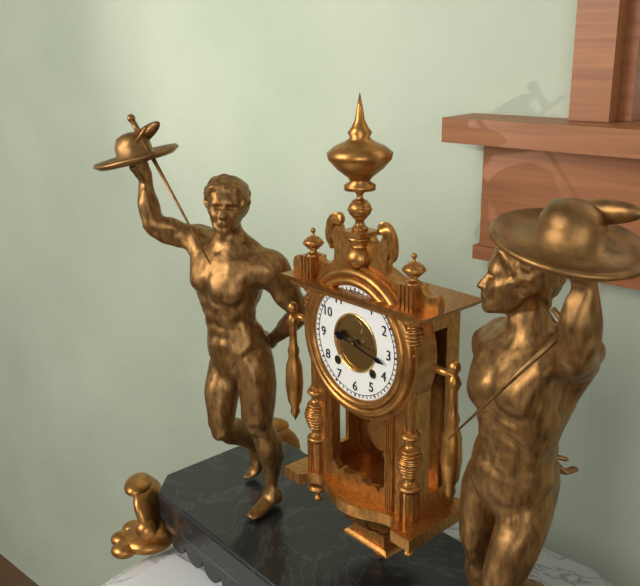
9:17
